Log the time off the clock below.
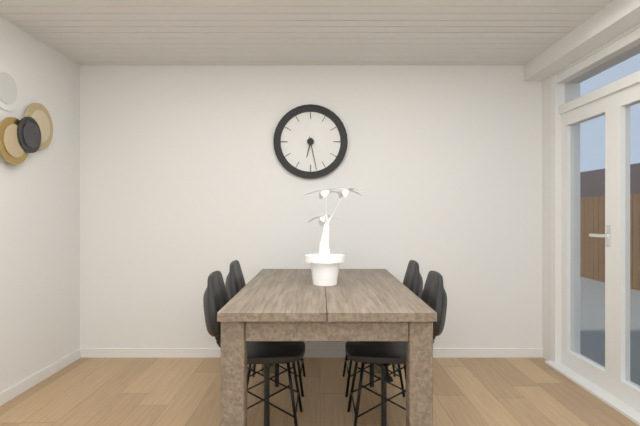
6:28
